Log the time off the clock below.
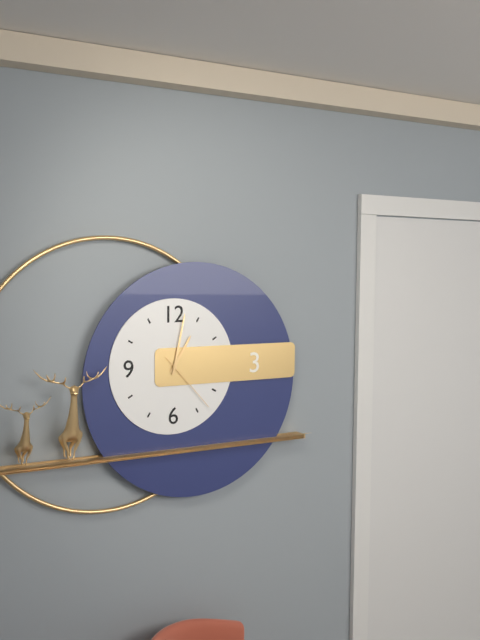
1:02:23
